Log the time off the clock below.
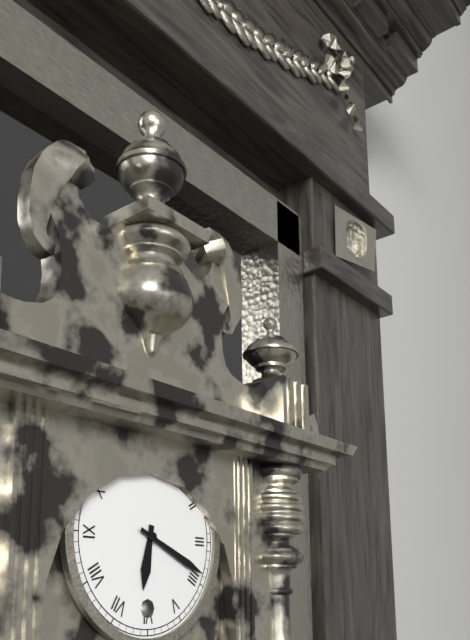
6:19
